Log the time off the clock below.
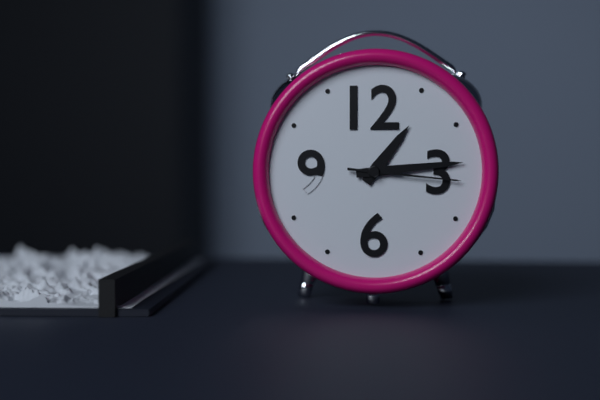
1:14:16
